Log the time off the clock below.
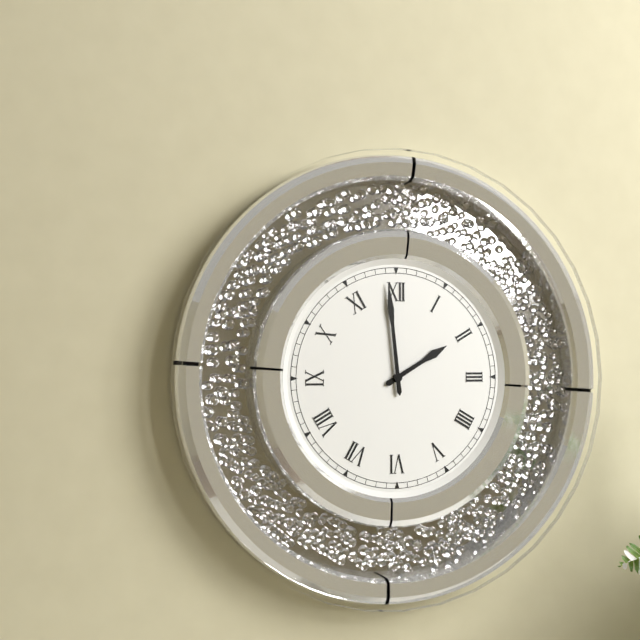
1:59
